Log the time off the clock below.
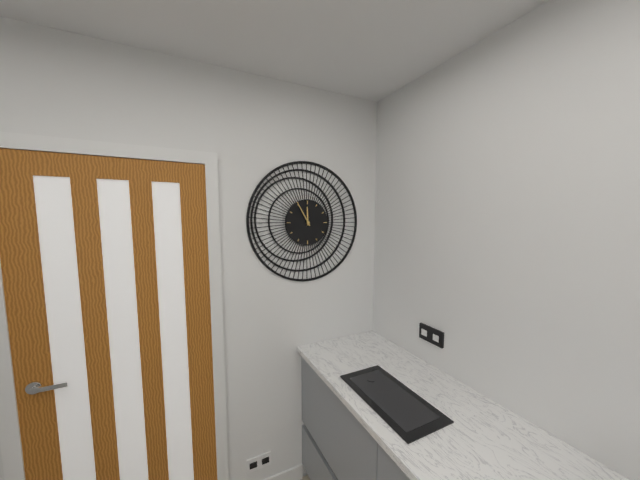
11:55
